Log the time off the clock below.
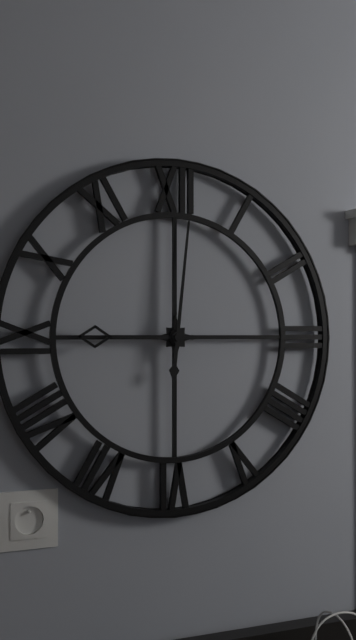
9:01
